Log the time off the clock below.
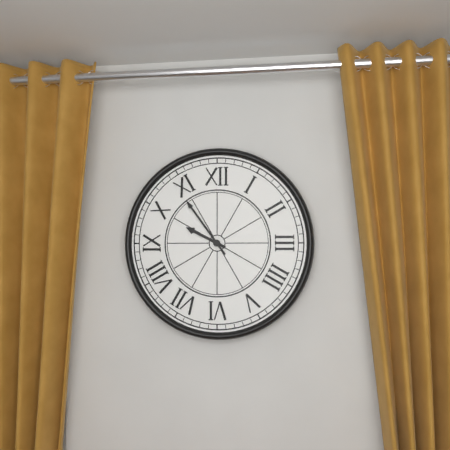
9:54
